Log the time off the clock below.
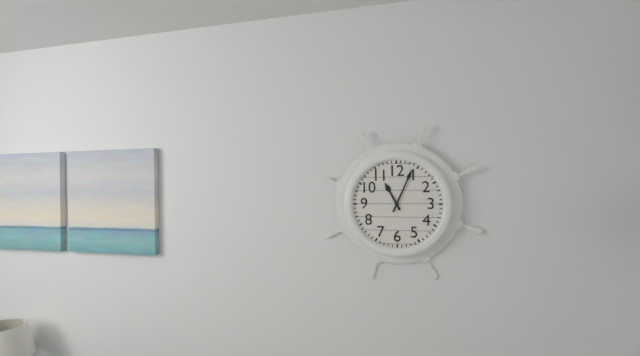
11:04
